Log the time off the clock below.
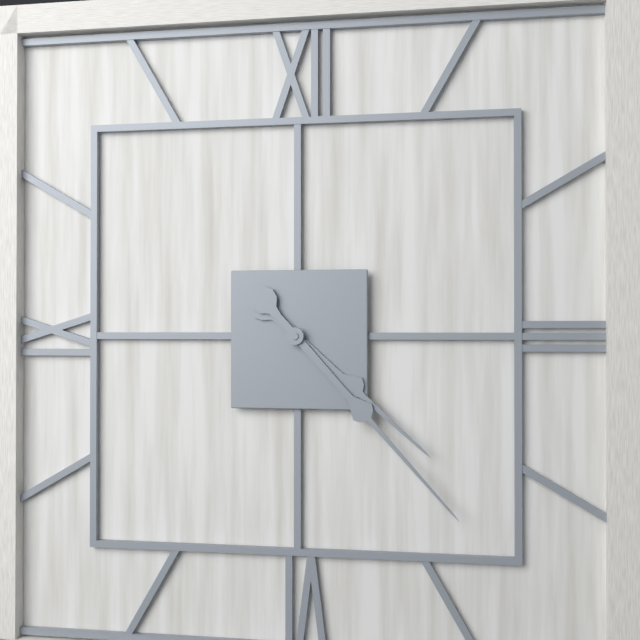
4:23
